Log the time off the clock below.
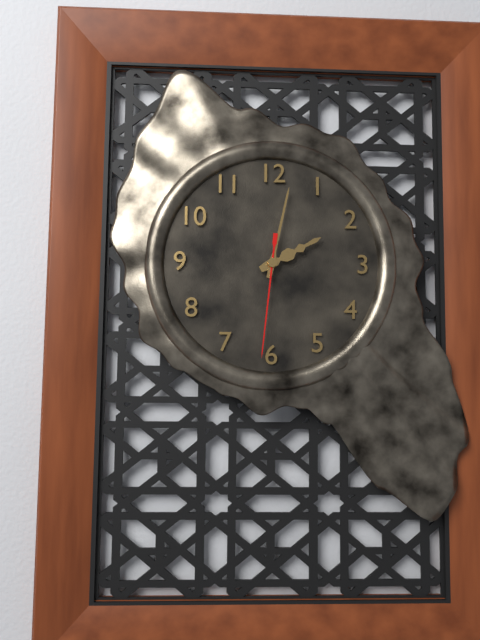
2:02:31
